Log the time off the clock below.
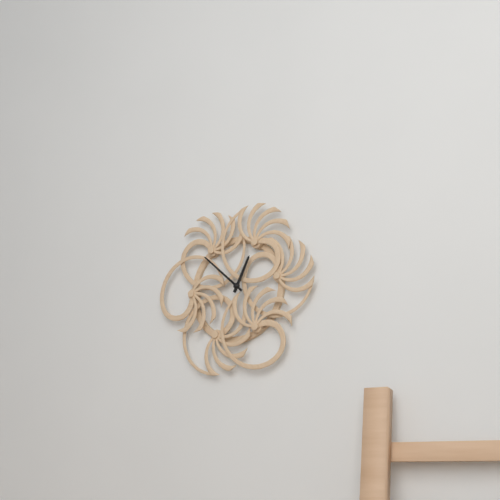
12:52
